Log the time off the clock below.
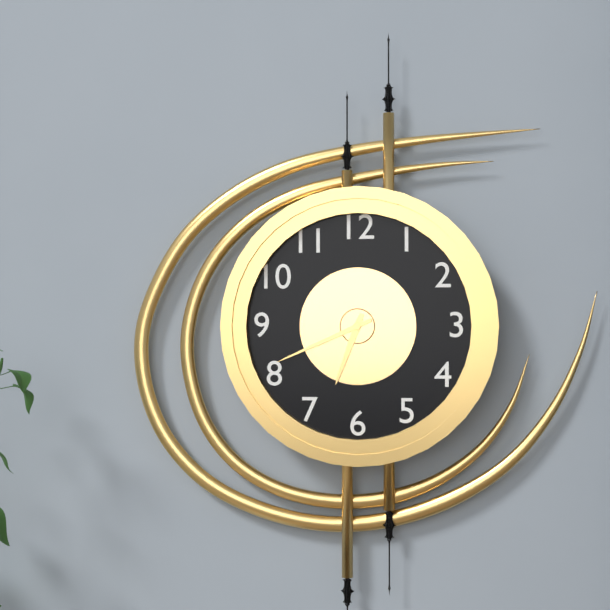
6:41
